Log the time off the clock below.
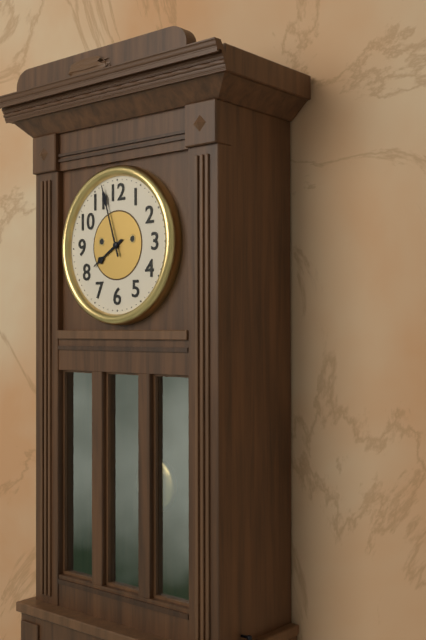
7:57
